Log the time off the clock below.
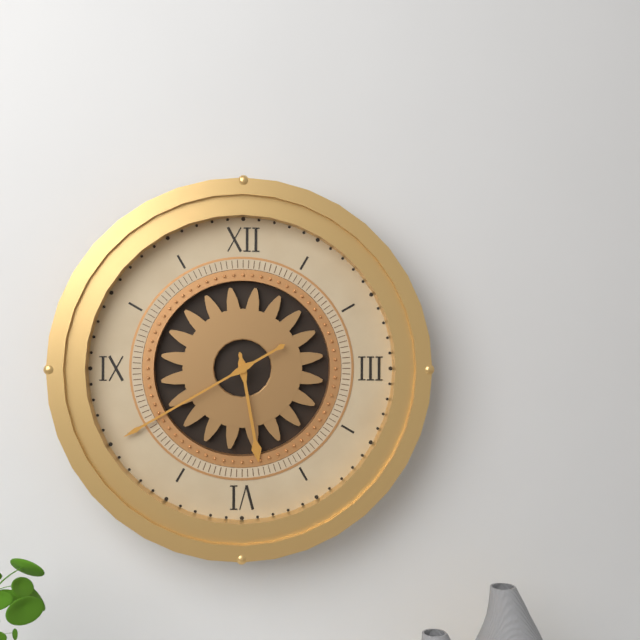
5:40
